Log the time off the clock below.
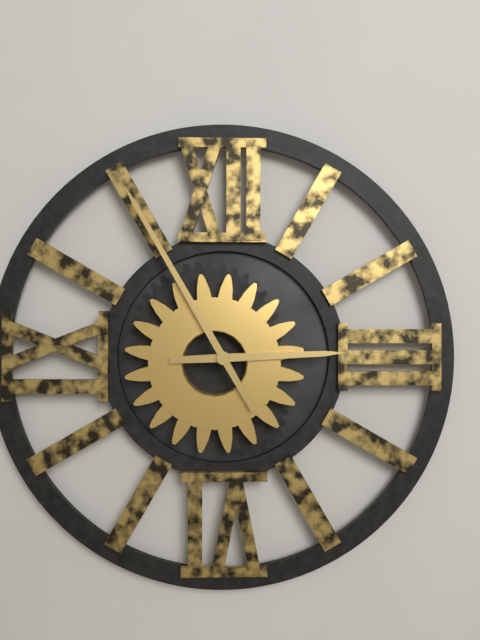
2:55
